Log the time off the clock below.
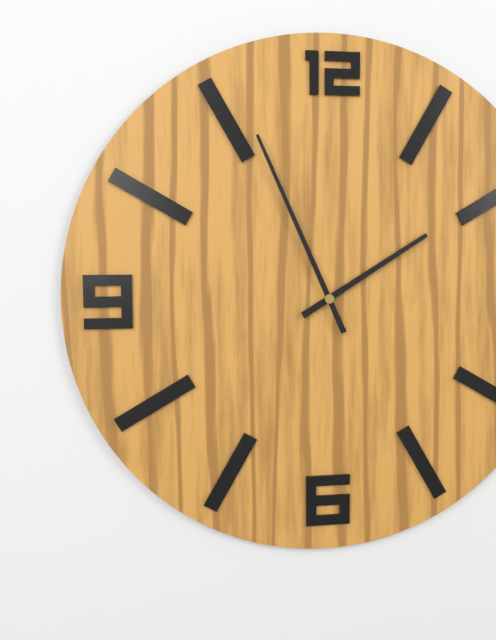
1:56
